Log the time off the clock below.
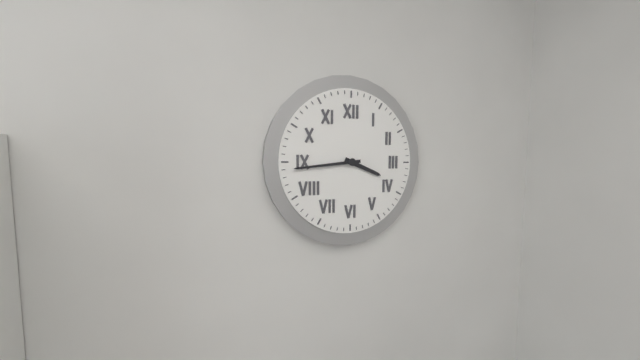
3:44
